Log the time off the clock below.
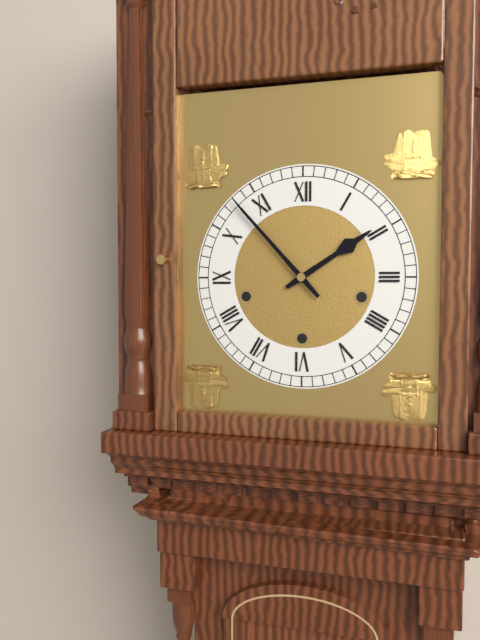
1:53
